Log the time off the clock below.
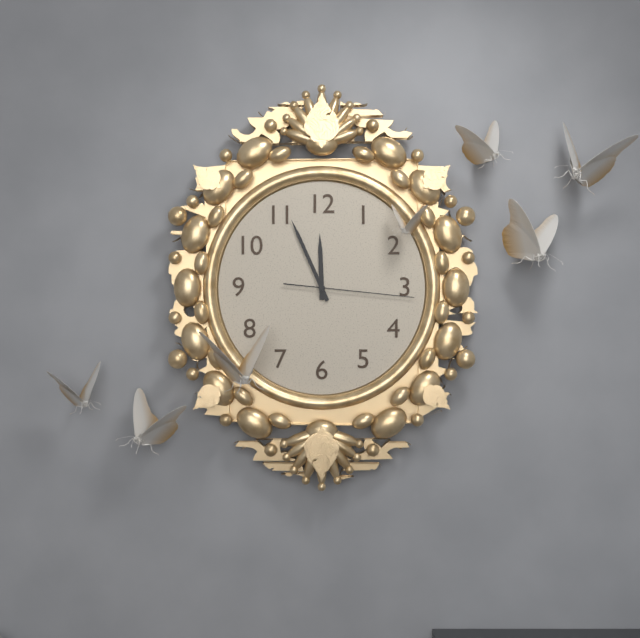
11:56:16
